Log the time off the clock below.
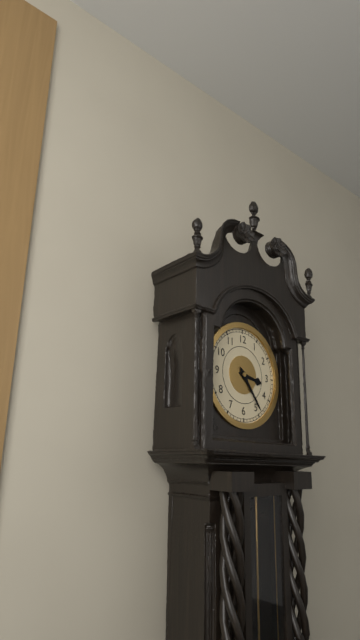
3:24
